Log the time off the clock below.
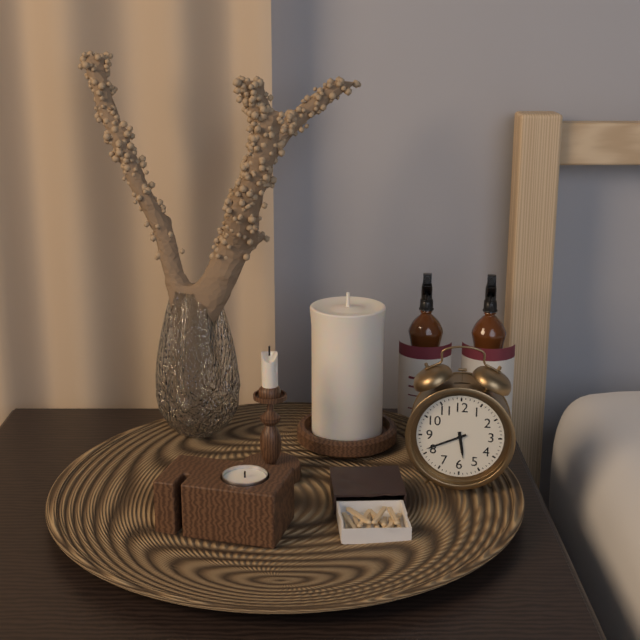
5:41
